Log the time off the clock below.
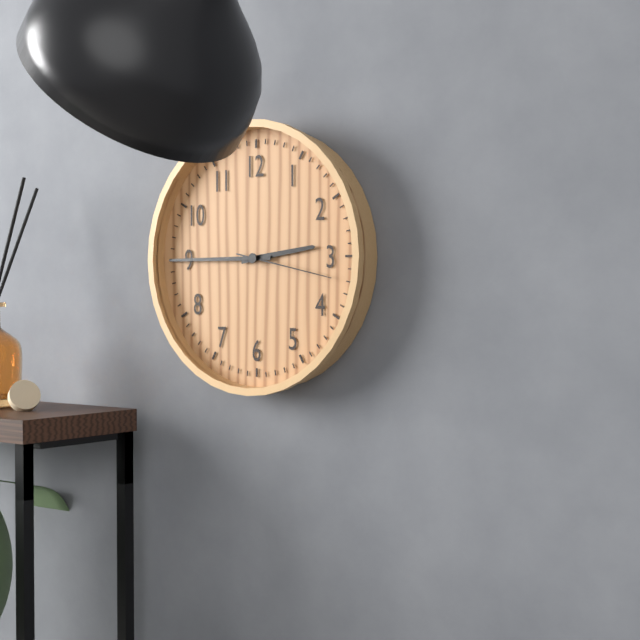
2:45:17
